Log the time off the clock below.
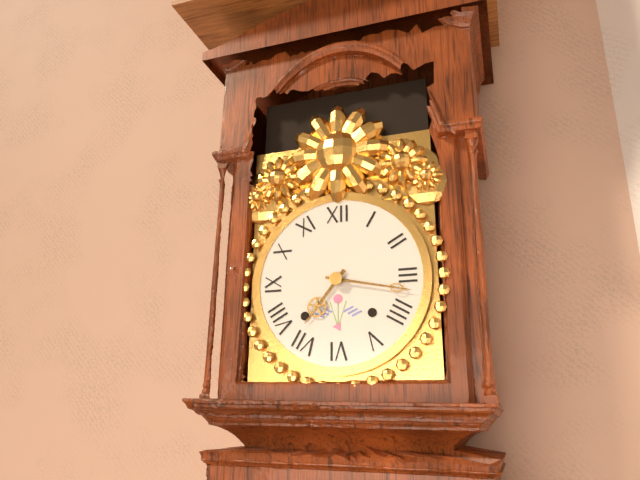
7:17
